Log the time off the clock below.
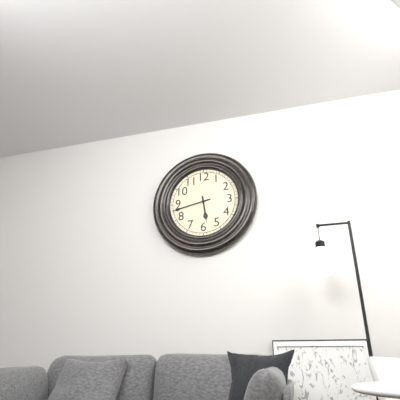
5:43
